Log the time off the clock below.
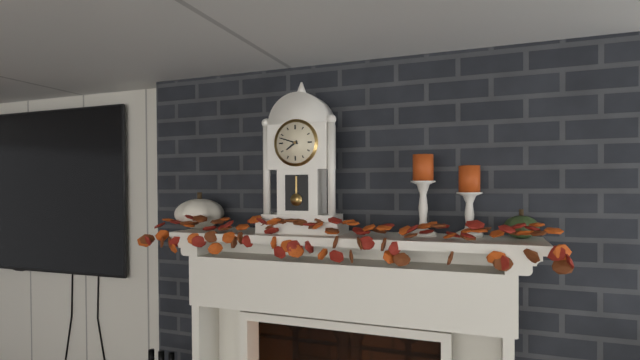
7:48
